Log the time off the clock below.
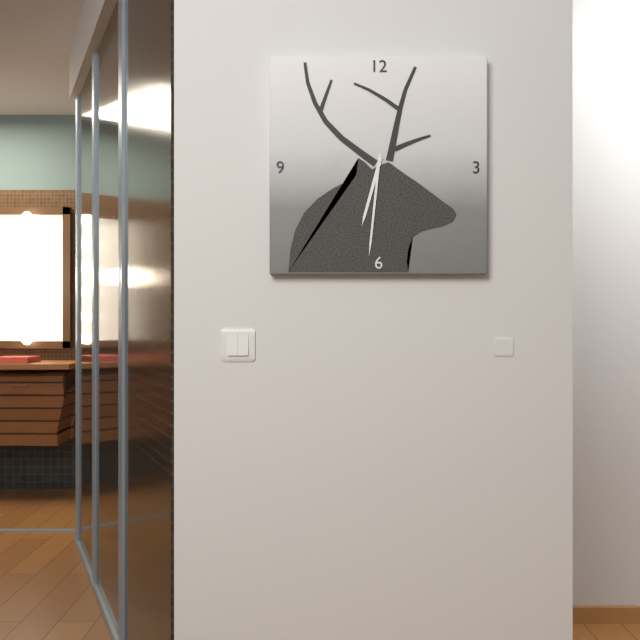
6:31
